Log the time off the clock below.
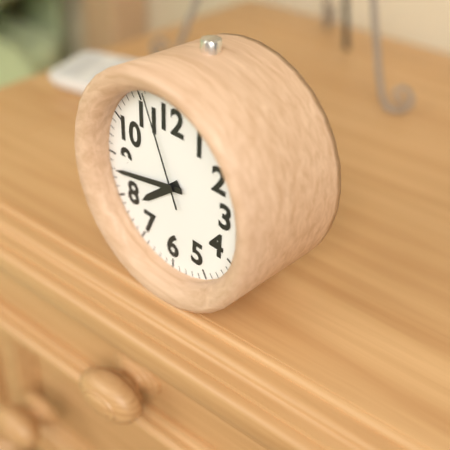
7:43:56
